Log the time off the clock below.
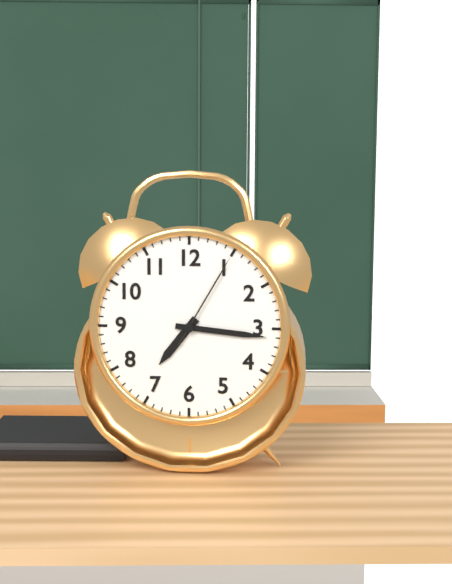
7:16:05
